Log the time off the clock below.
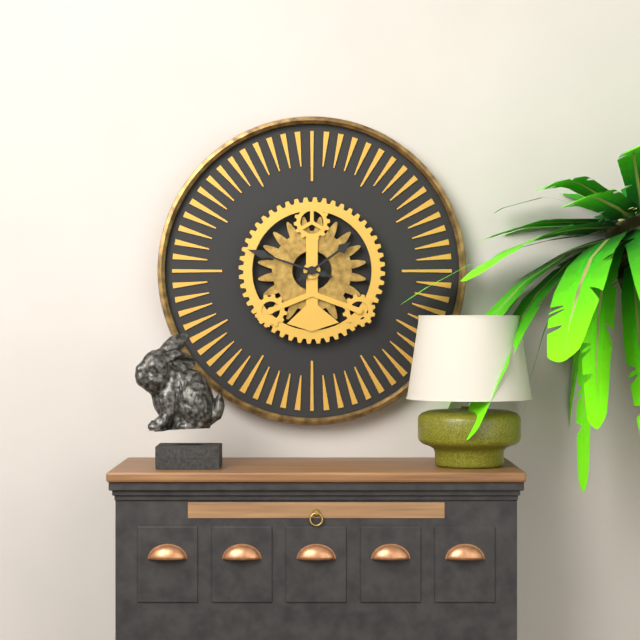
1:48
